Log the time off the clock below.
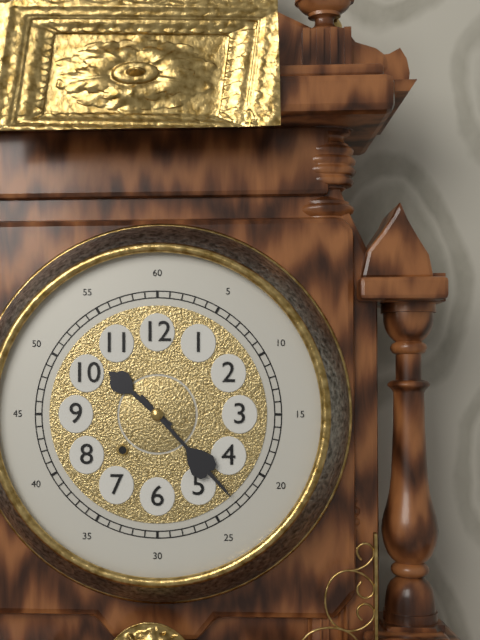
10:23
